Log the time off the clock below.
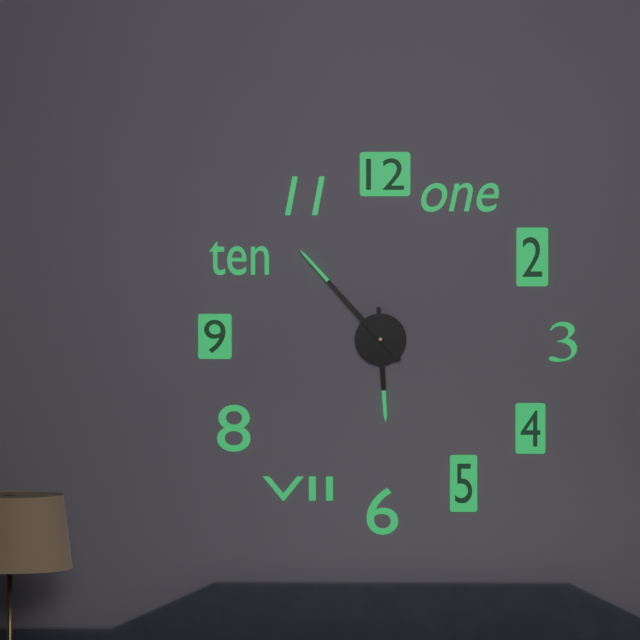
5:53
